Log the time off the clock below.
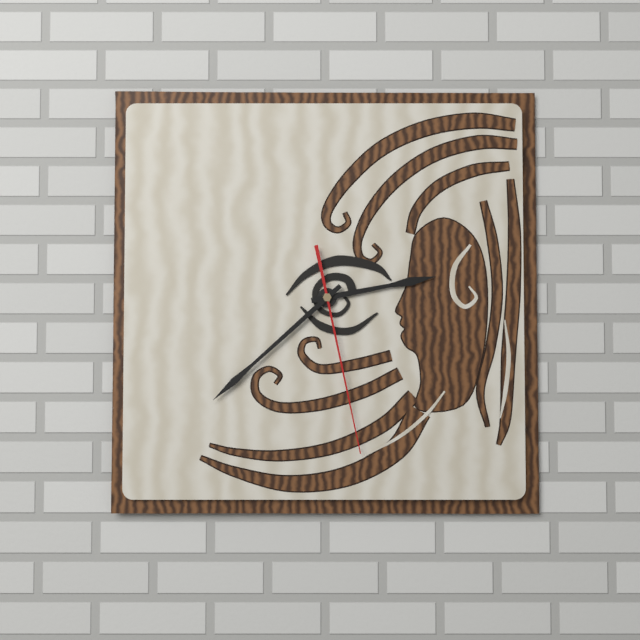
2:38:28
